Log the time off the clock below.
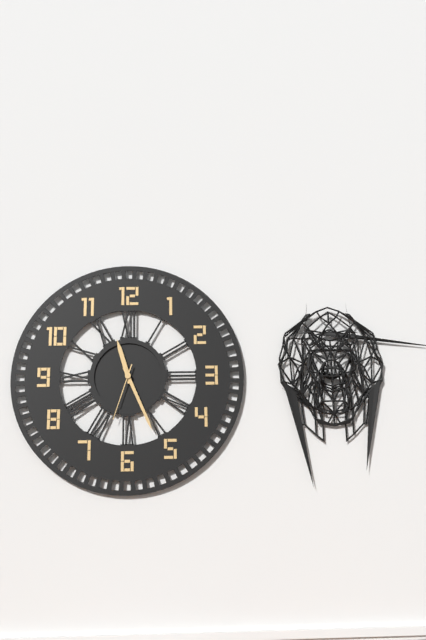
11:26:33
